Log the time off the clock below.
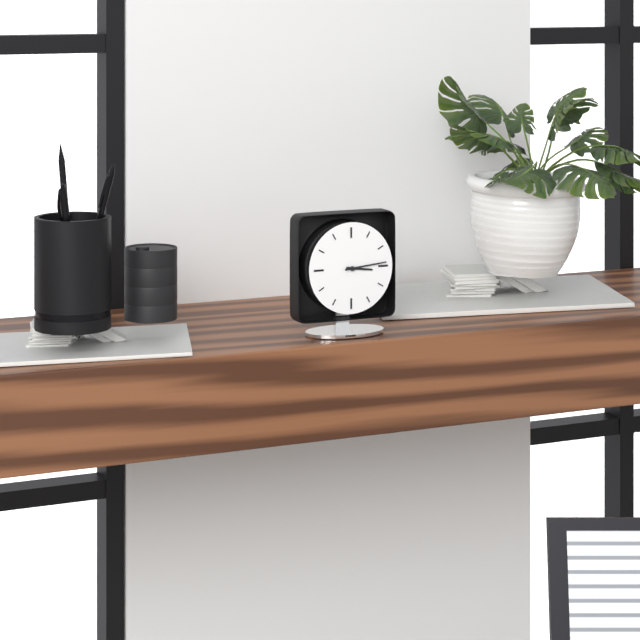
3:14
